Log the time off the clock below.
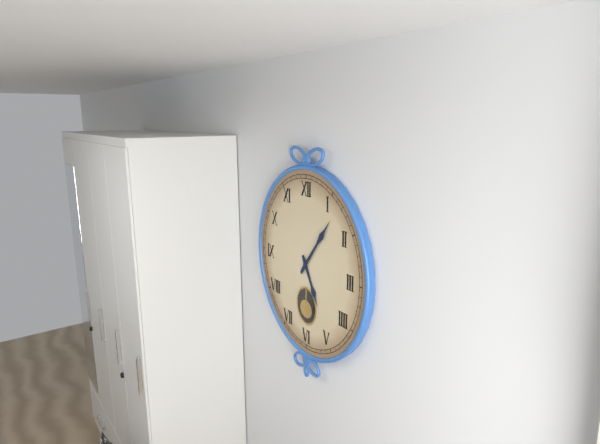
5:06
